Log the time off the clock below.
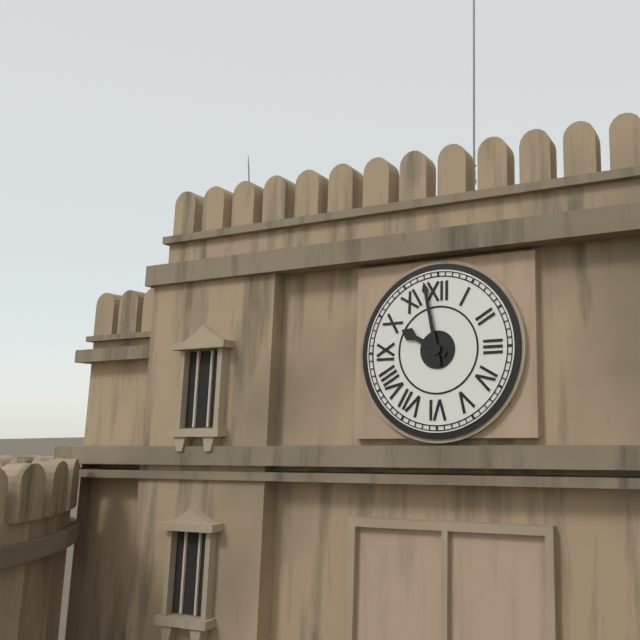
9:58
